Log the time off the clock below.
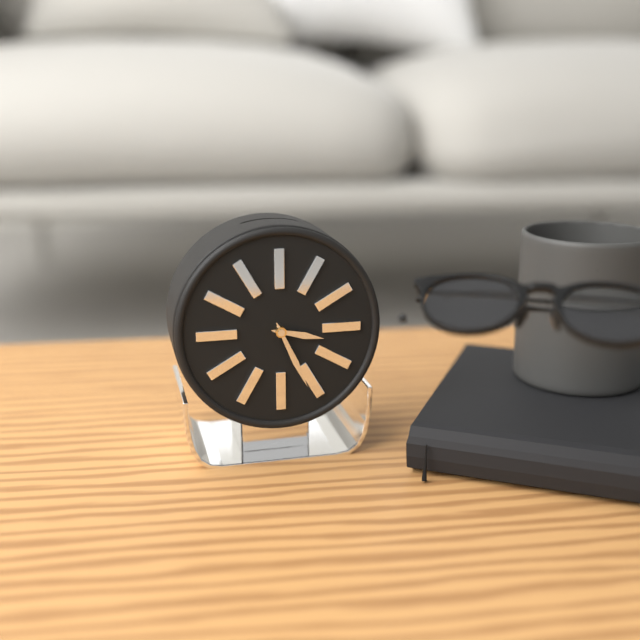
3:26
